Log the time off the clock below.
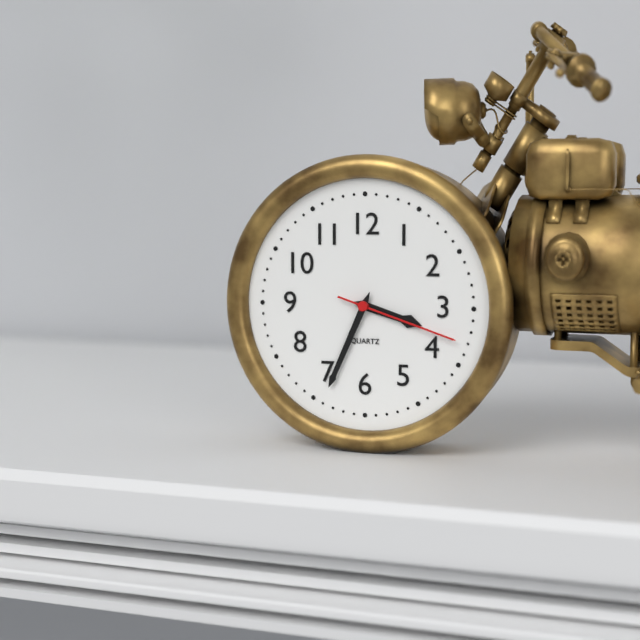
3:34:18
